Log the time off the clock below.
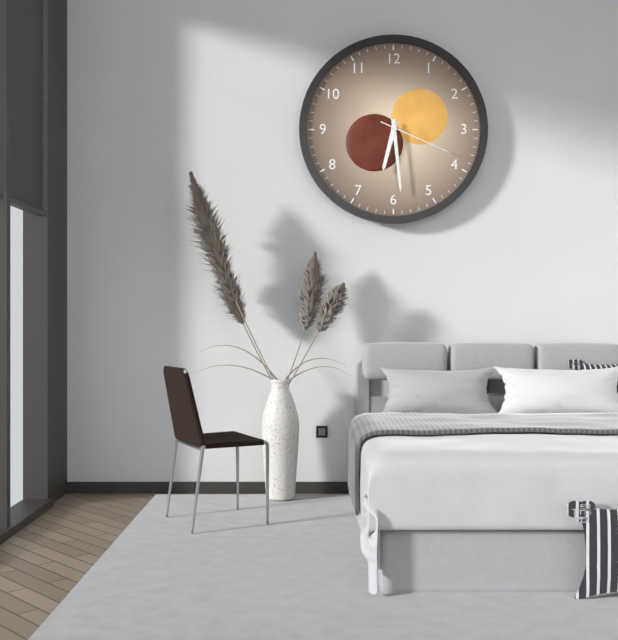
6:29:19
